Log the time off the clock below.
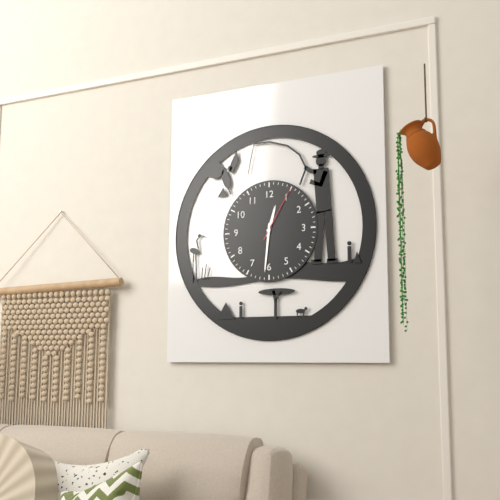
12:31:05
